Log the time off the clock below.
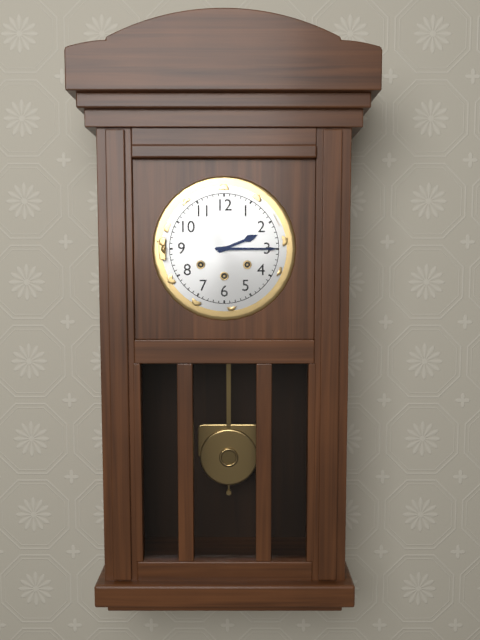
2:15
